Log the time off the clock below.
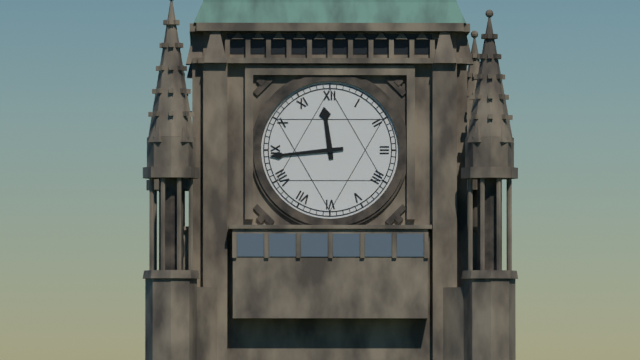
11:44
